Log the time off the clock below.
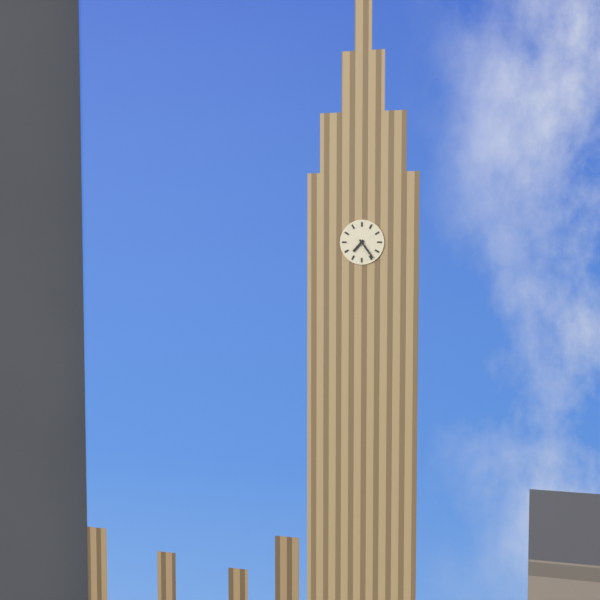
7:24
